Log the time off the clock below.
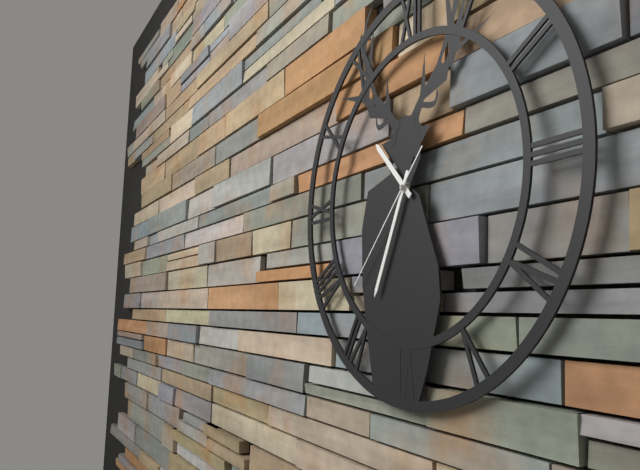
10:34:37
